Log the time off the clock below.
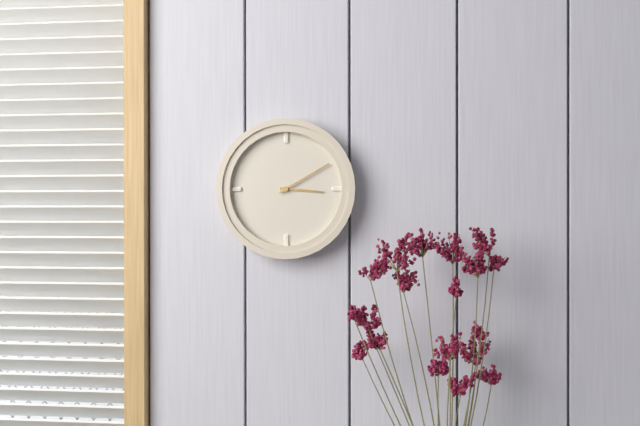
3:10
